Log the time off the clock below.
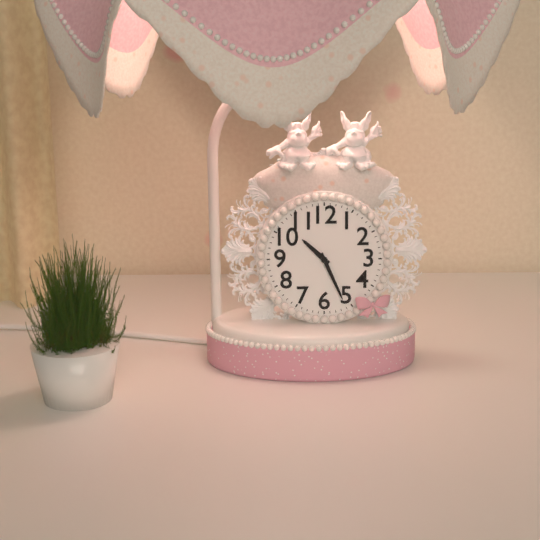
10:26
